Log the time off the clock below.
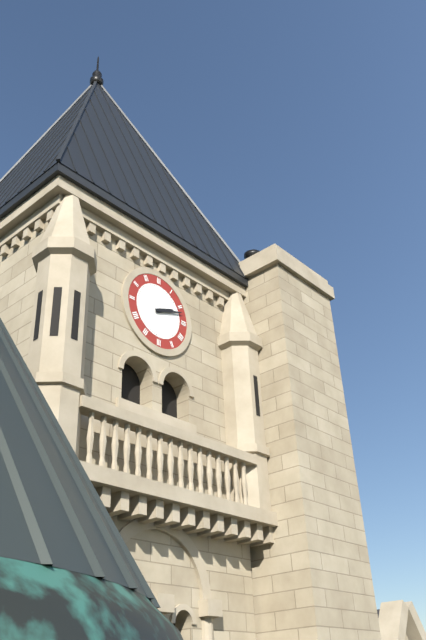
2:12
